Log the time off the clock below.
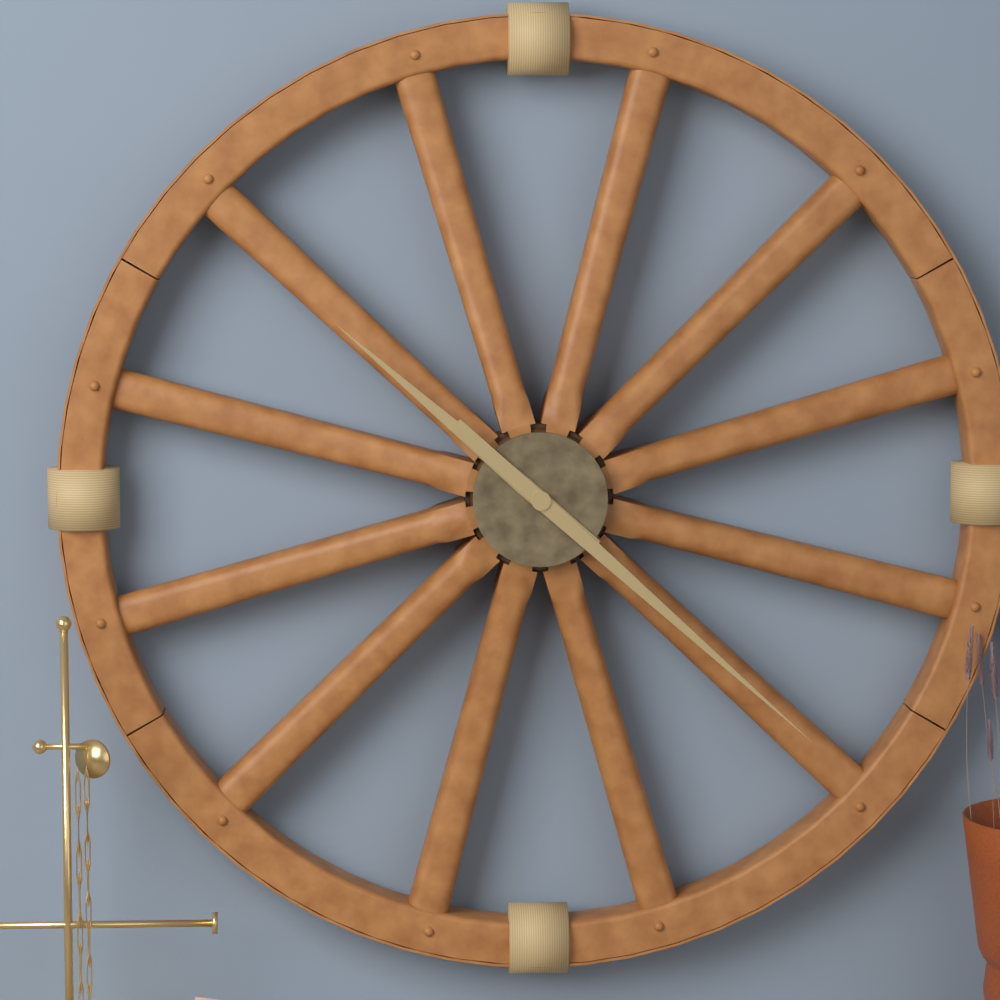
10:22
